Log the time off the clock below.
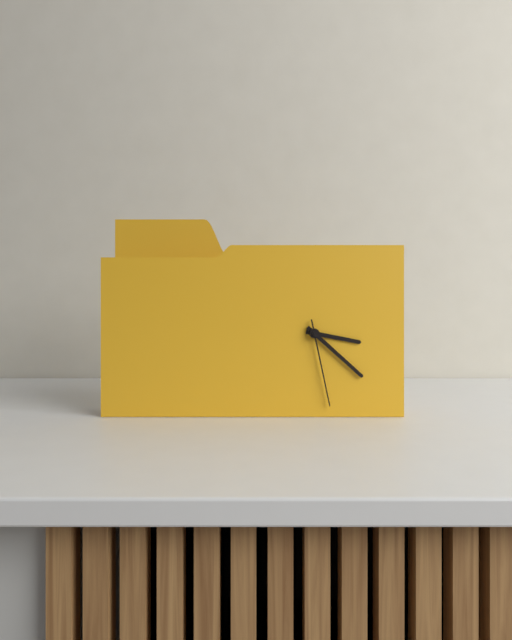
3:22:28
